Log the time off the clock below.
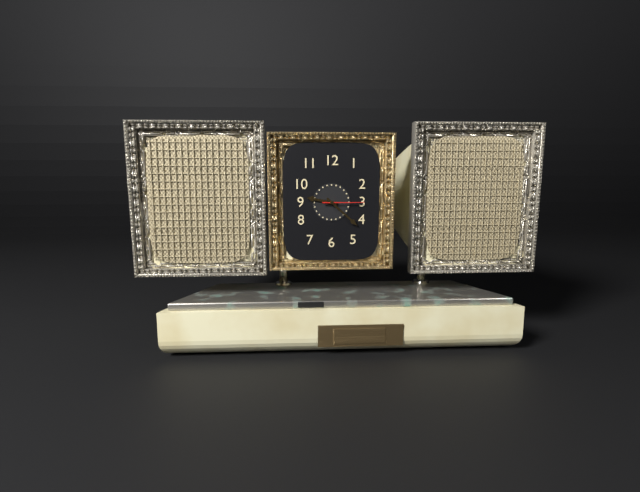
9:22
